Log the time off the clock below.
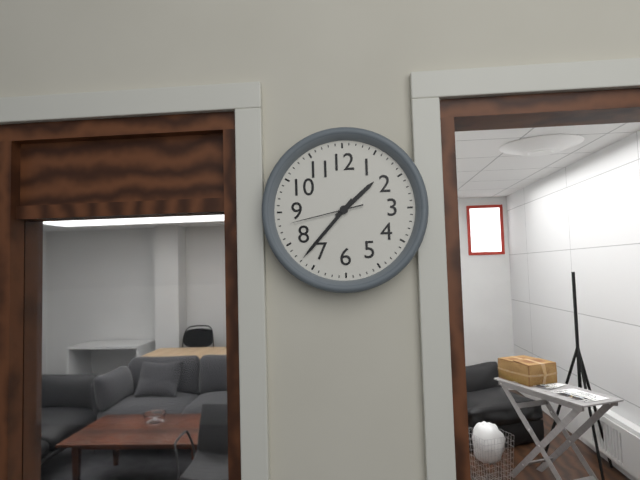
1:37:43
